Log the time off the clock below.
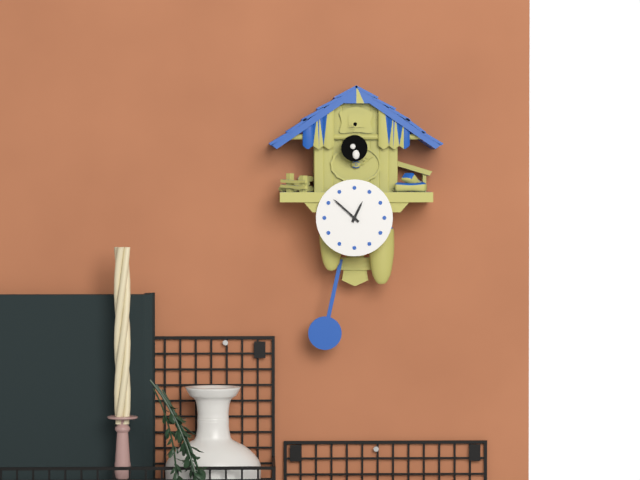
12:52
